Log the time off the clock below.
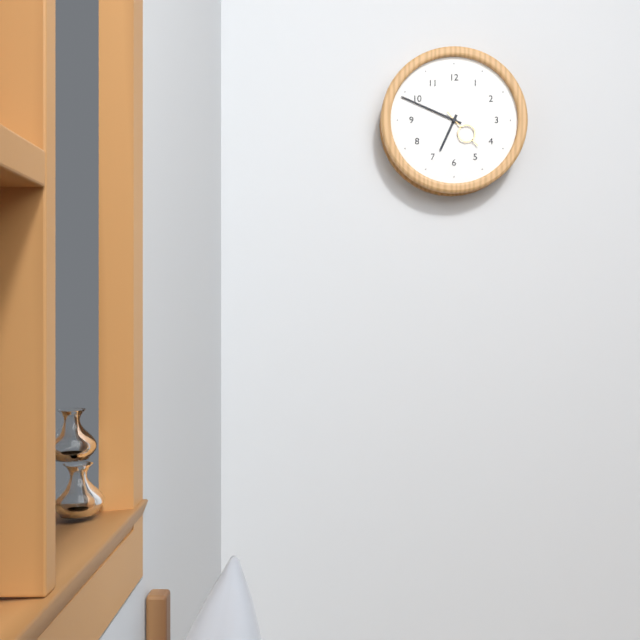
6:49
